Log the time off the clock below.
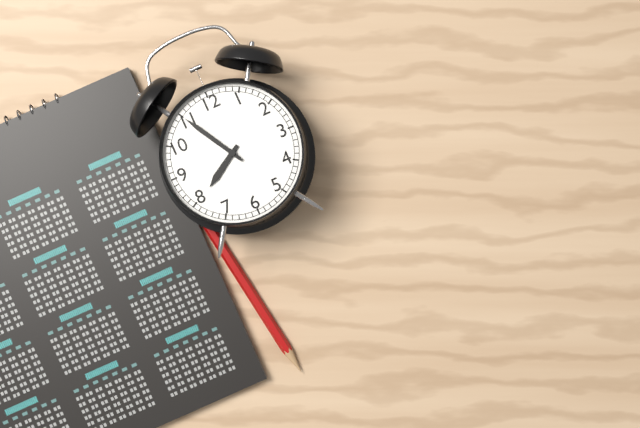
7:55
